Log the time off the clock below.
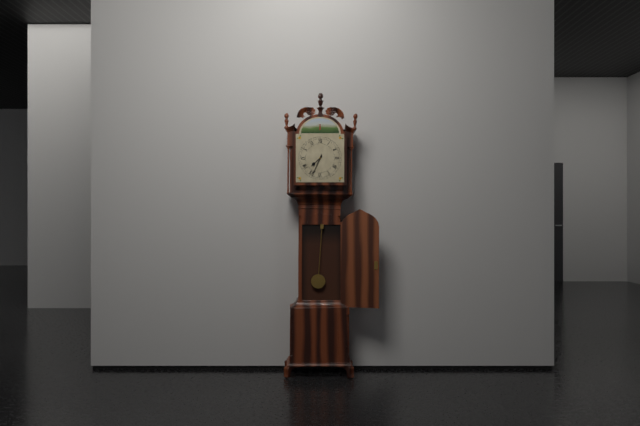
7:34
